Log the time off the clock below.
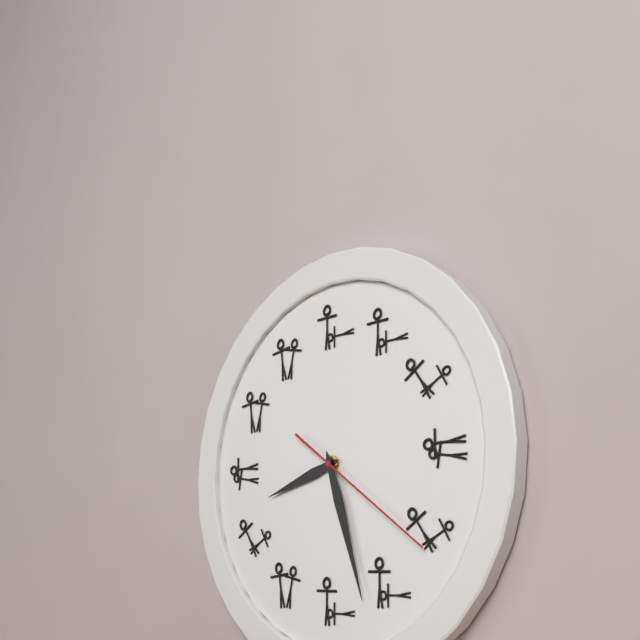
8:27:21
